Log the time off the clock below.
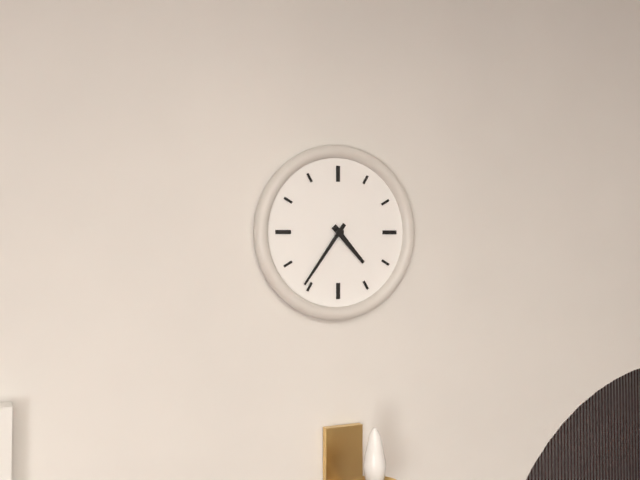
4:36
